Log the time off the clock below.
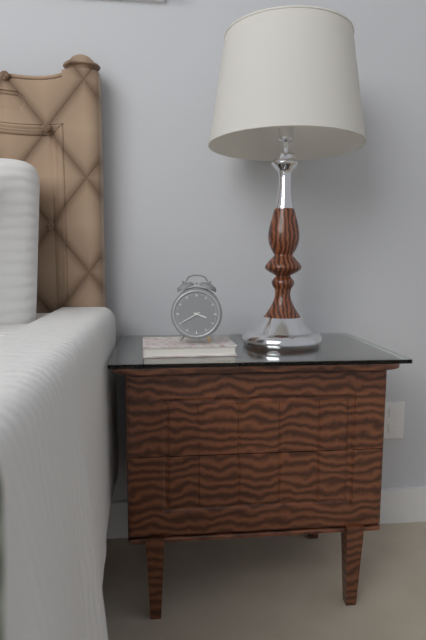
3:40
